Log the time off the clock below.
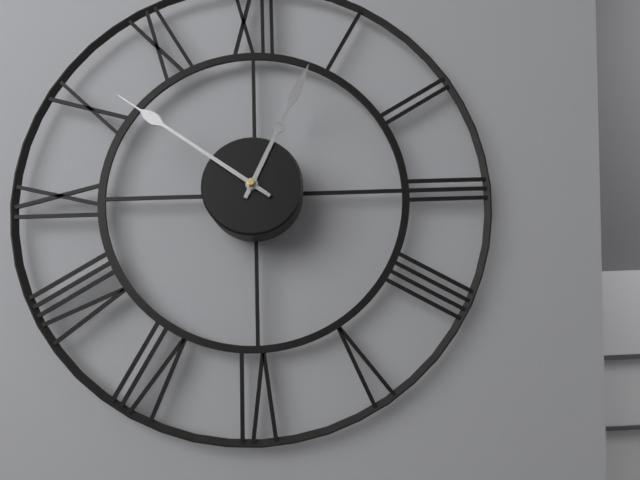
12:51
